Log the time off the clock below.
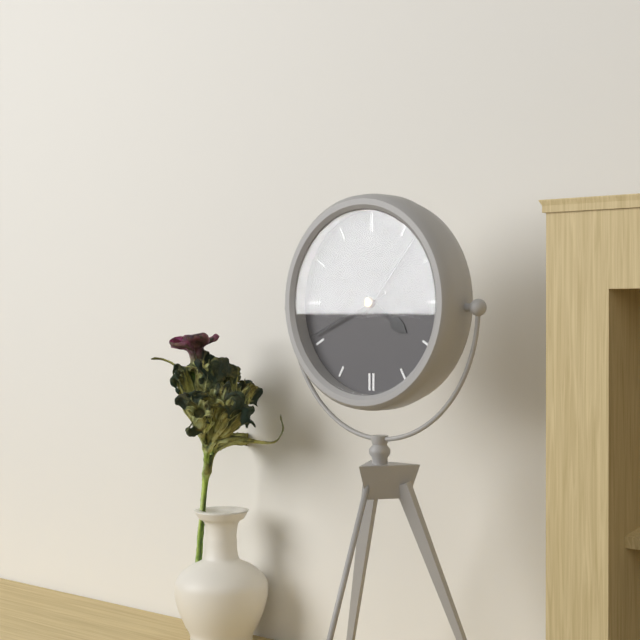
4:07:41
